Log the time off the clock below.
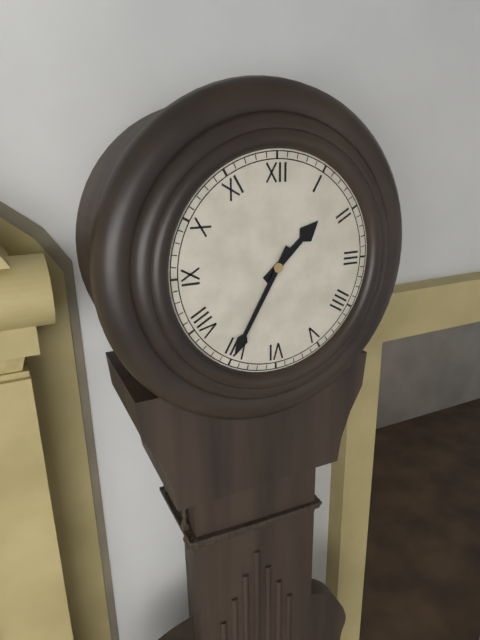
1:35
